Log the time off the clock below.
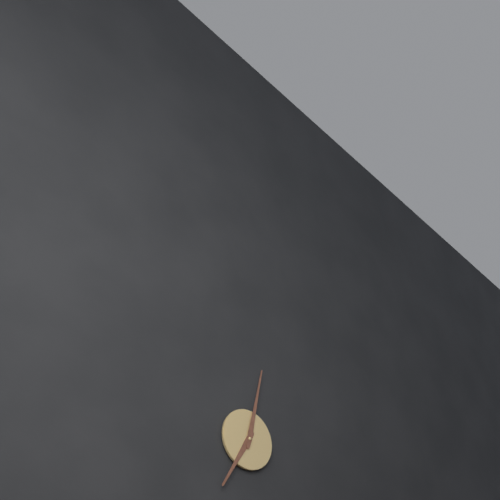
7:02
